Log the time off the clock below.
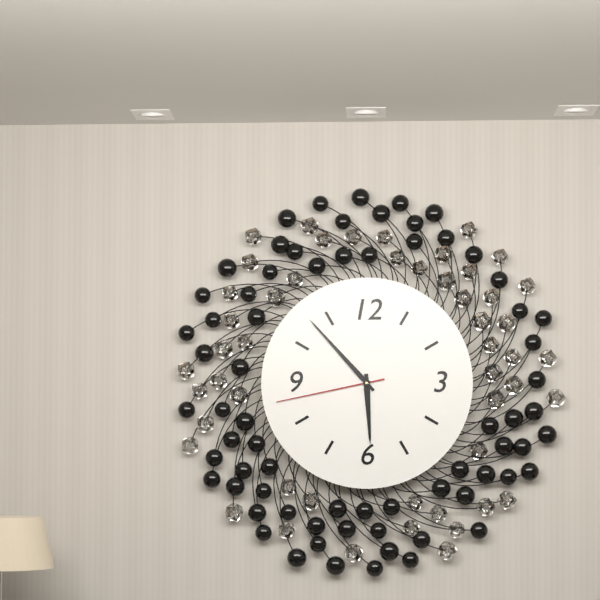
5:53:43
